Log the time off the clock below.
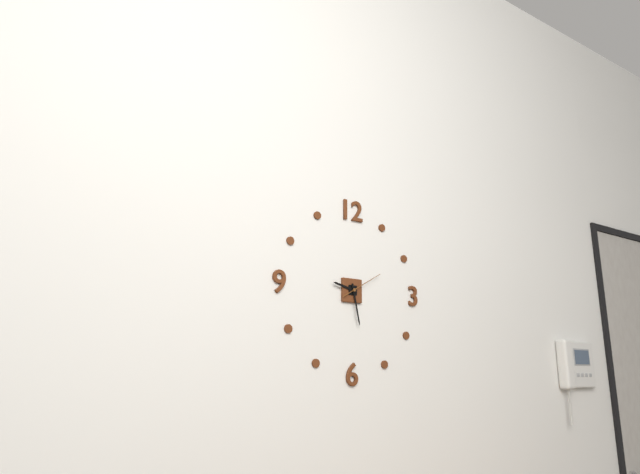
9:28
